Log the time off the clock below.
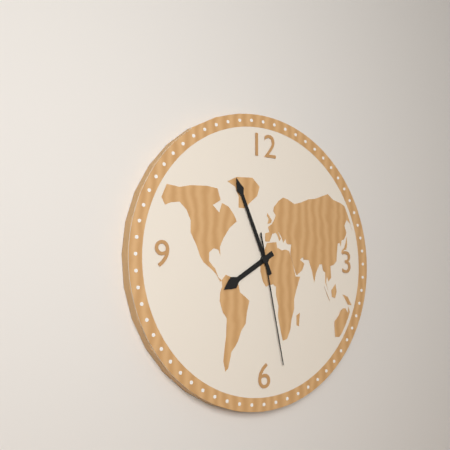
7:56:28
